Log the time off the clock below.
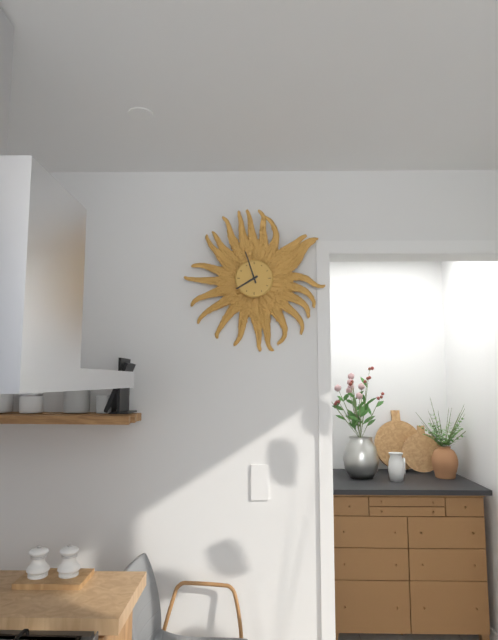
7:57
